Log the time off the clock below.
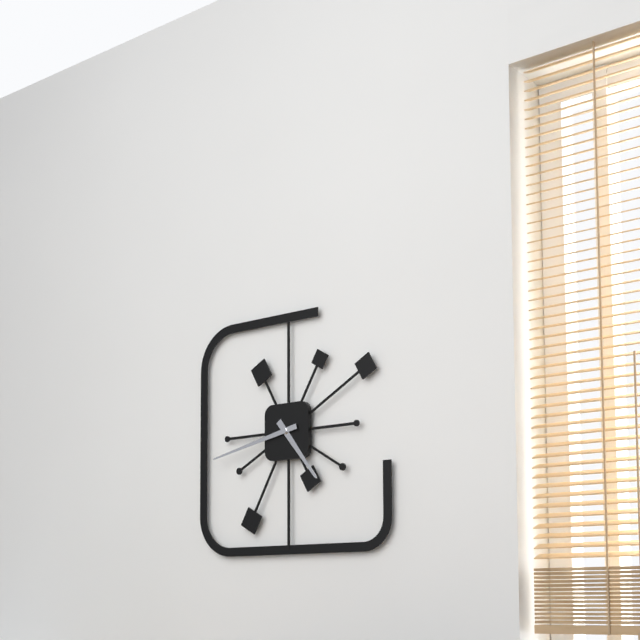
4:43
